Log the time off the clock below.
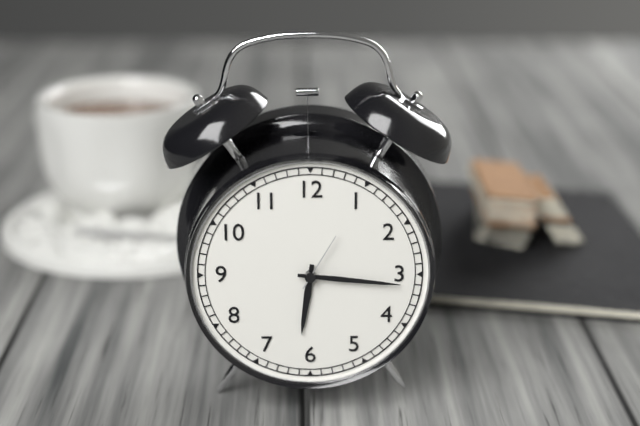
6:16:05
